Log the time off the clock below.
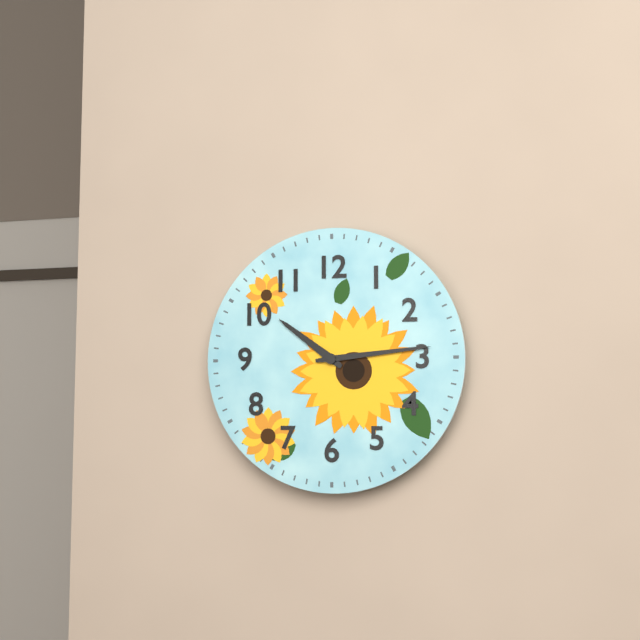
10:14
